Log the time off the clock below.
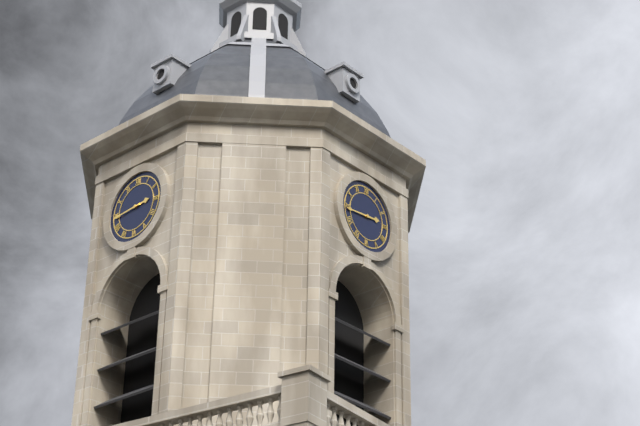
2:44
